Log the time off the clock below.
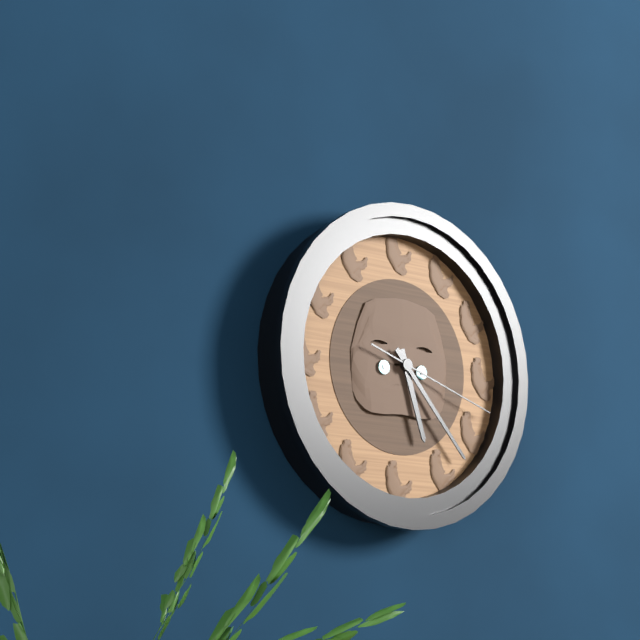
5:23:18
